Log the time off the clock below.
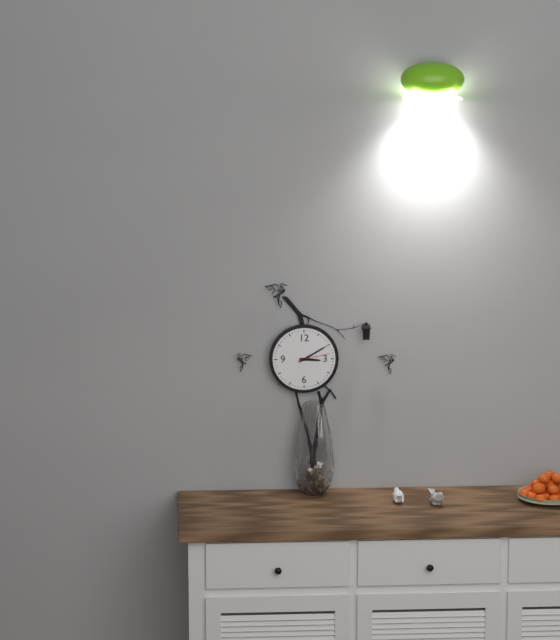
3:10
